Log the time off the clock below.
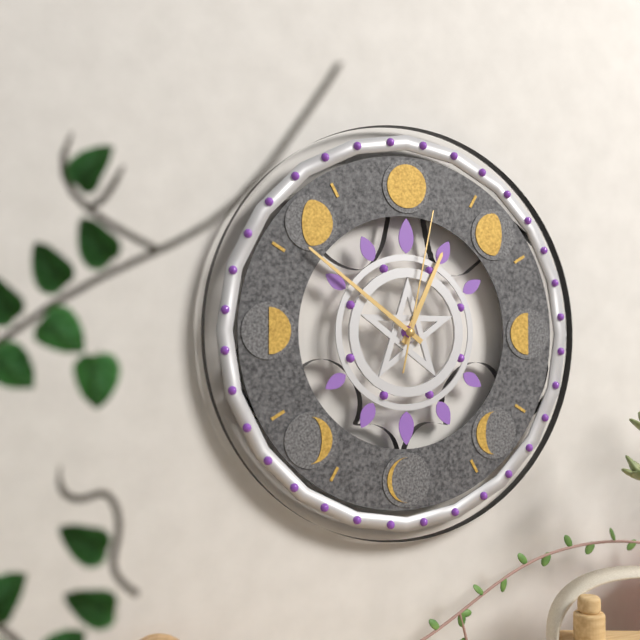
12:51:02
